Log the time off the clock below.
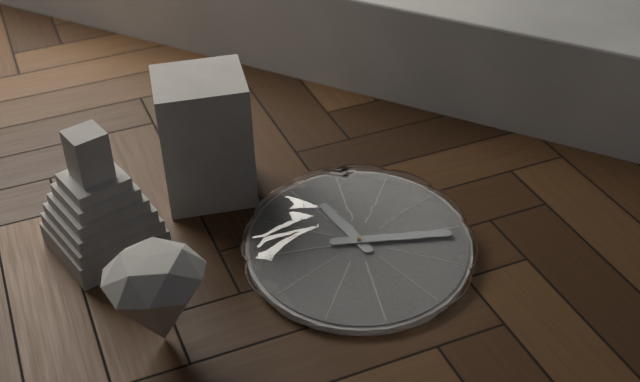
11:16
